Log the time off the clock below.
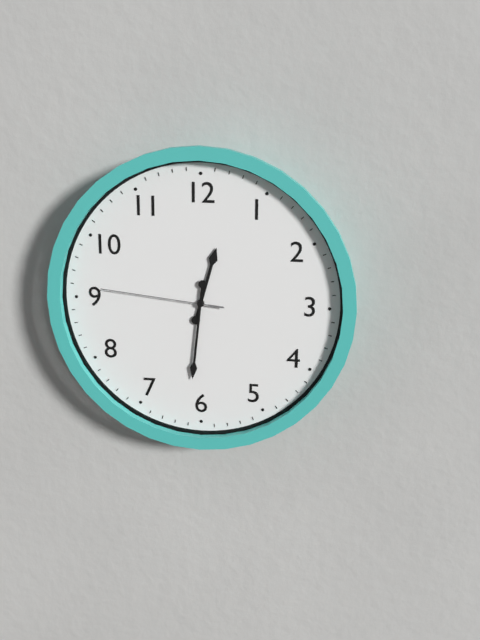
12:31:46
